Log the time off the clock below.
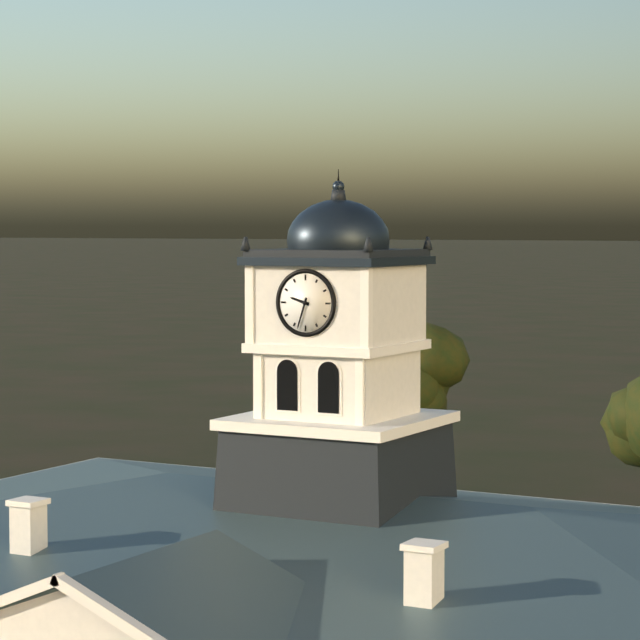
9:33
